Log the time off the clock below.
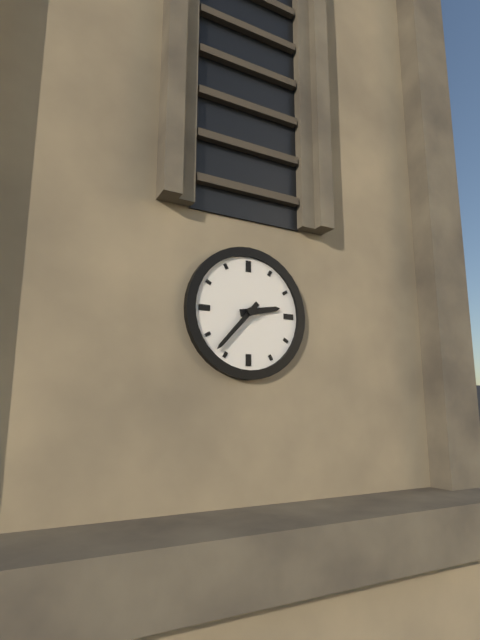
2:37
